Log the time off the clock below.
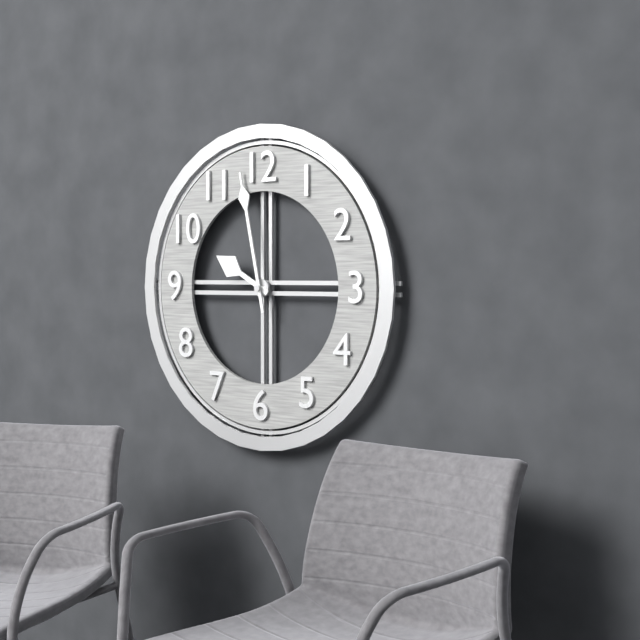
9:58
